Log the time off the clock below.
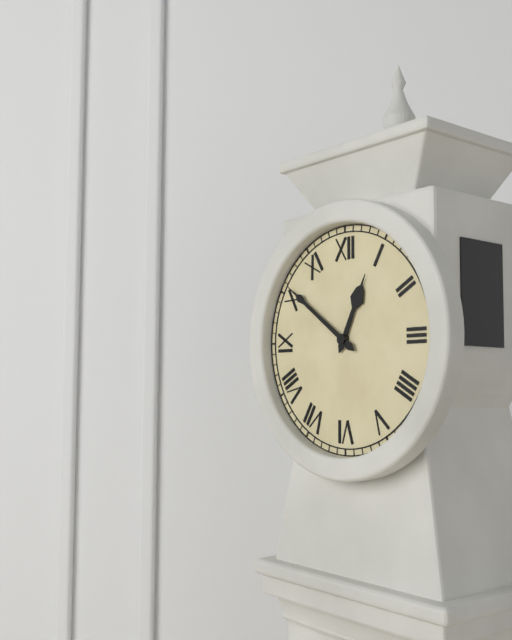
12:51
